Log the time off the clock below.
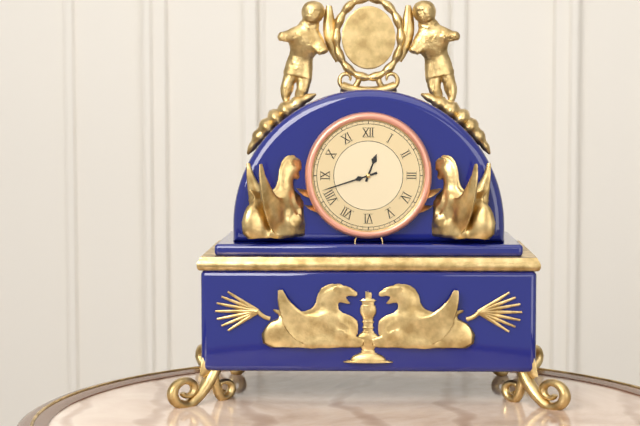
12:42
